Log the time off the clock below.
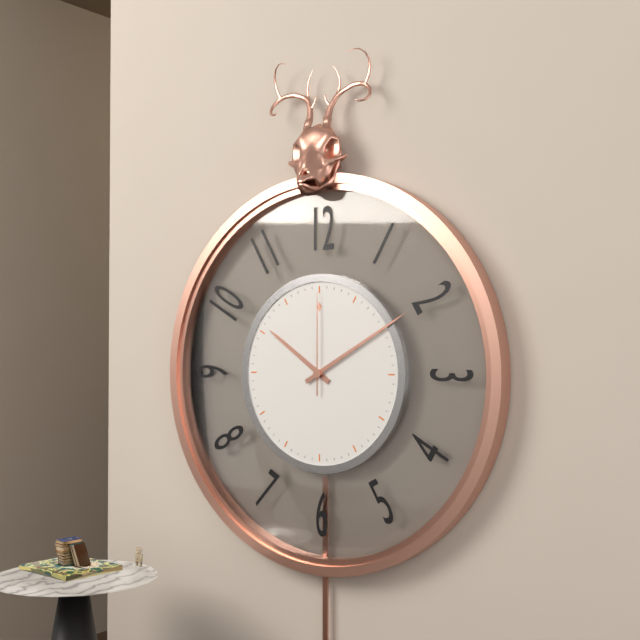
10:10:00
